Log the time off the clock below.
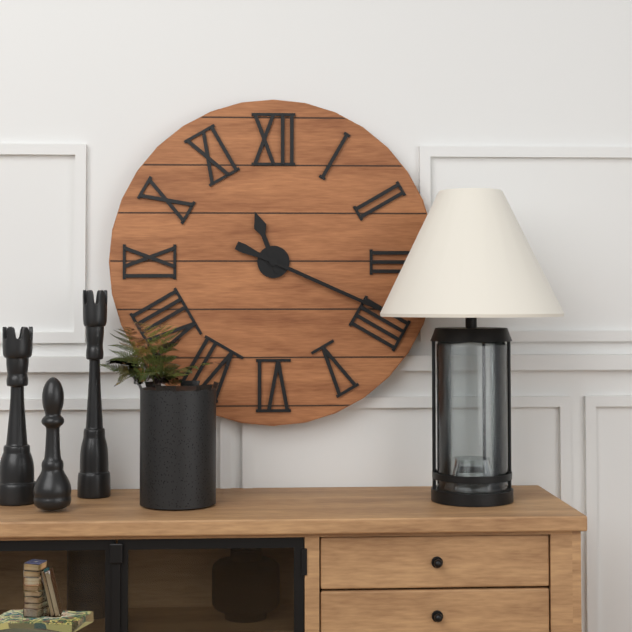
11:19
